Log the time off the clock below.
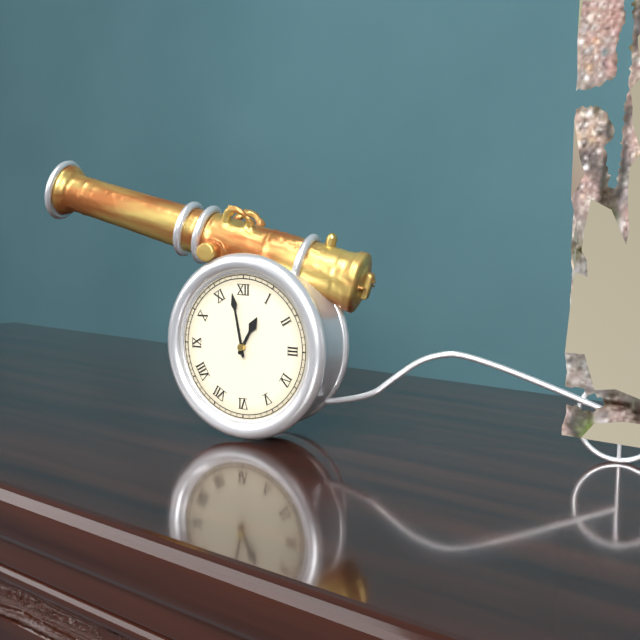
12:58
